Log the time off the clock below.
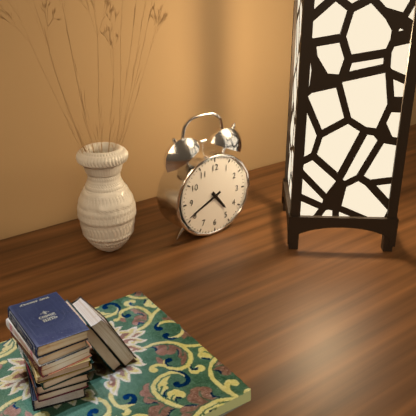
4:41
